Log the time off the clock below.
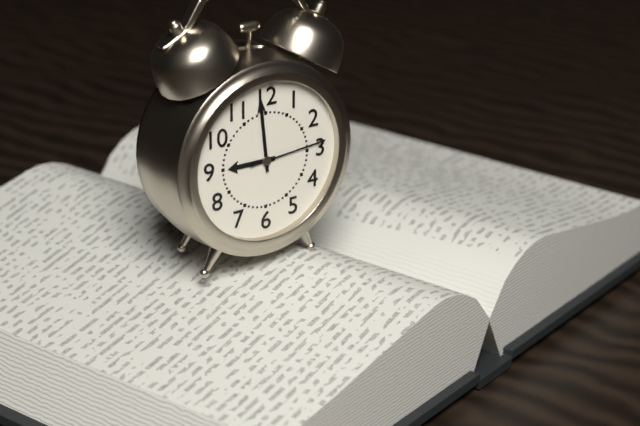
8:59:14
